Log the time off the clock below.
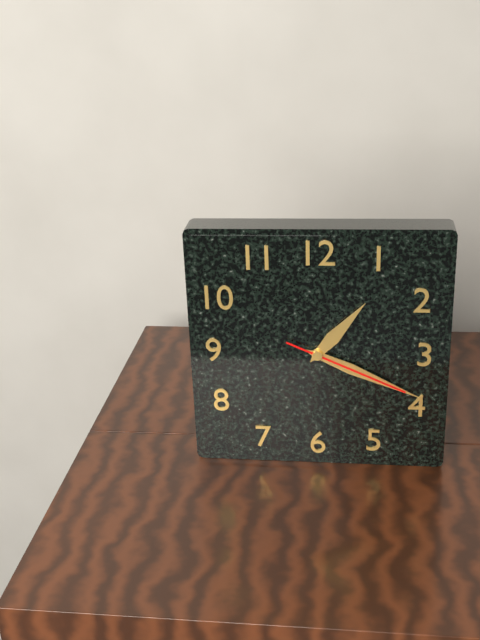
1:19:19
